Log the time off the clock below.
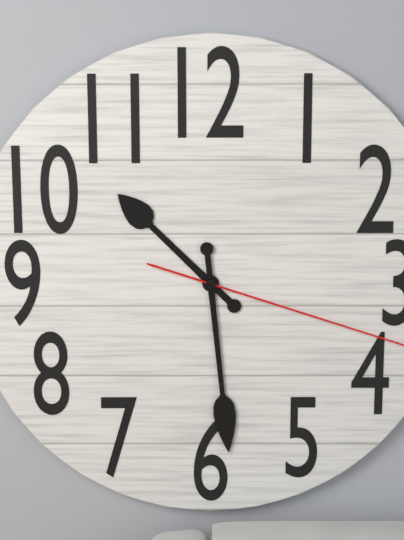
10:29
